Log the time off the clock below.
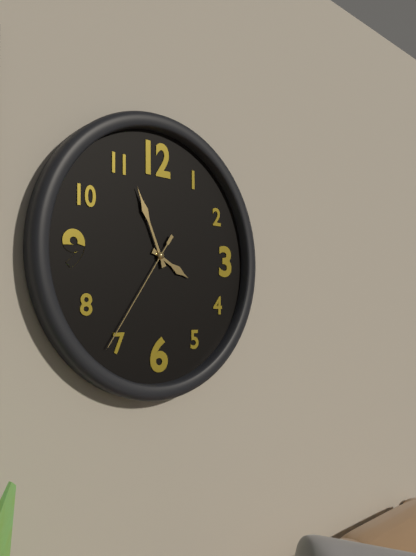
3:56:36
